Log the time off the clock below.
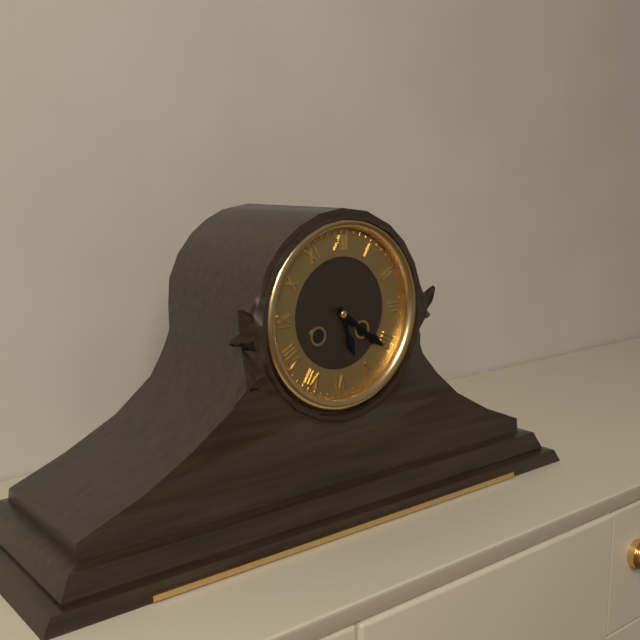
5:21
